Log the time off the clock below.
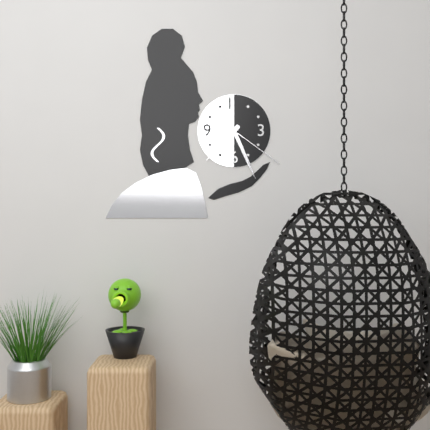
7:26:21
